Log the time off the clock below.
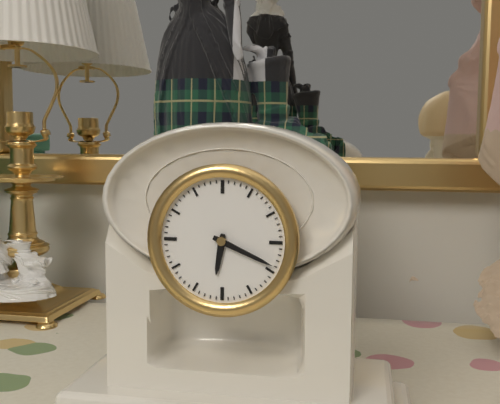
6:19
